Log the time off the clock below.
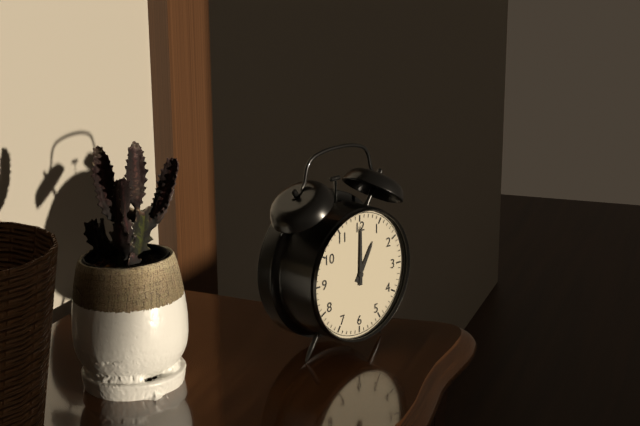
1:00
